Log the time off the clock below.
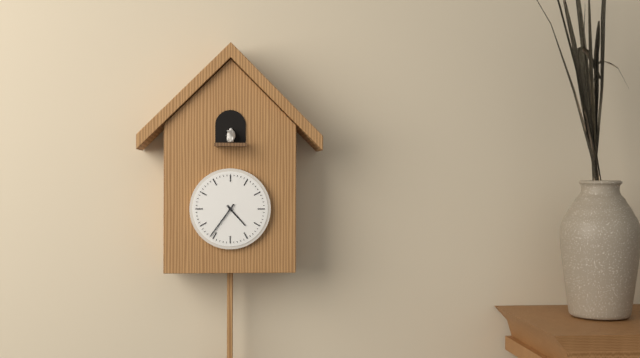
4:36
